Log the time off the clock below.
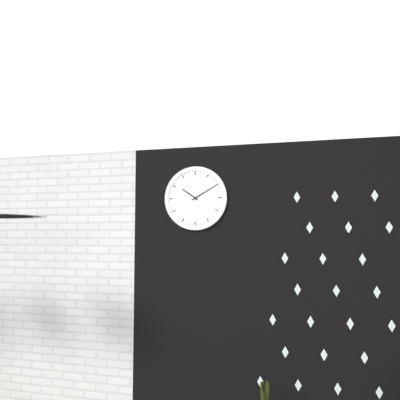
10:10
